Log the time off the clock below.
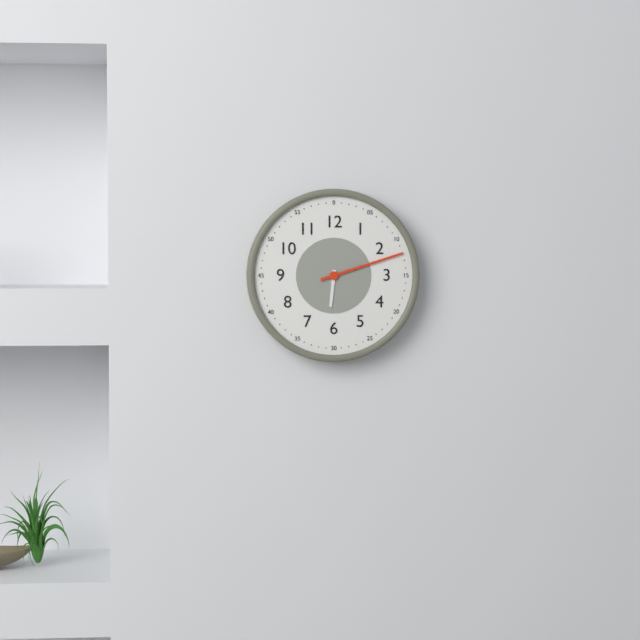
6:12
